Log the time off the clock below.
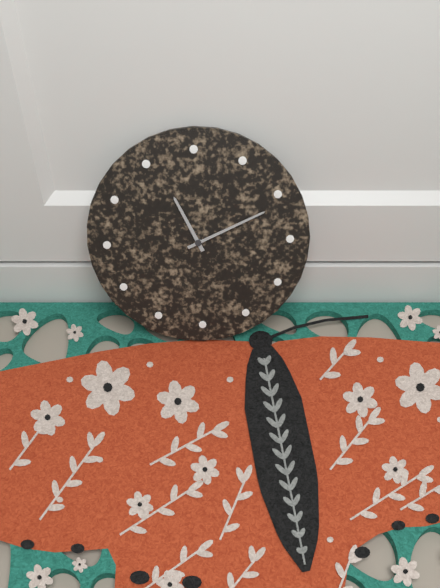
11:11
